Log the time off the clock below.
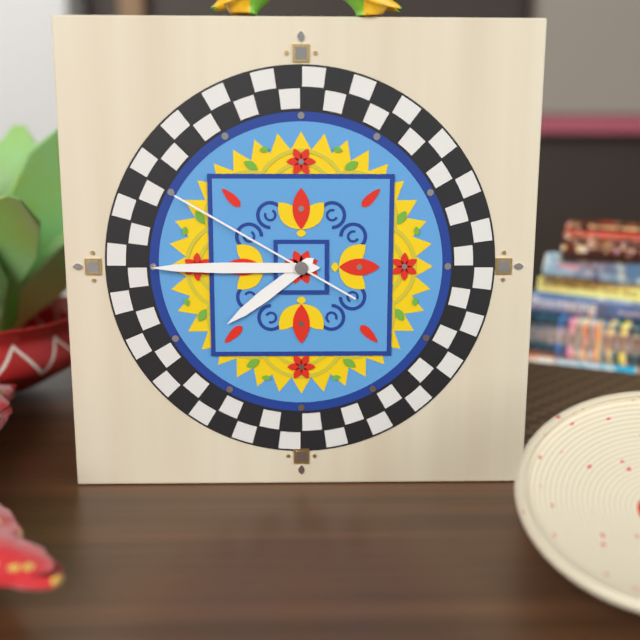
7:45:50
